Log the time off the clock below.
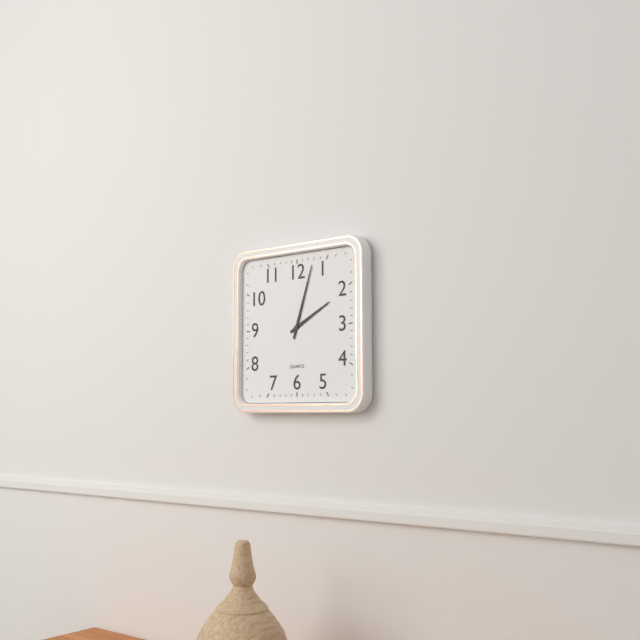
2:03
